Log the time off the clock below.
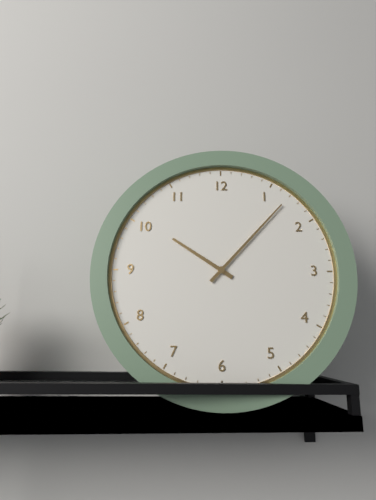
10:07
